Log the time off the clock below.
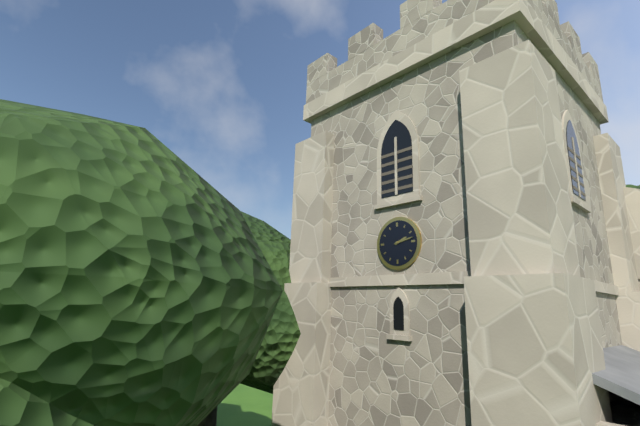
2:13
